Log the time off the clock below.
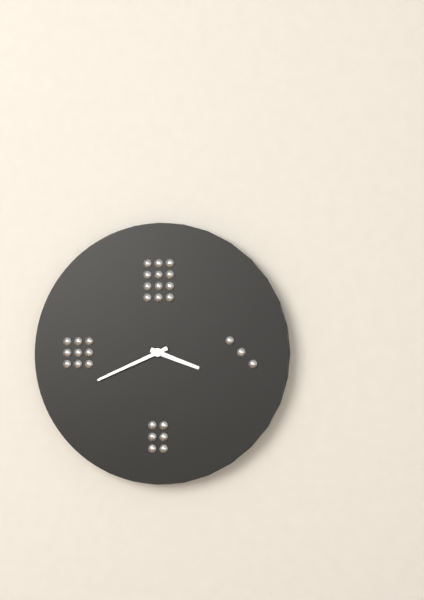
3:41
